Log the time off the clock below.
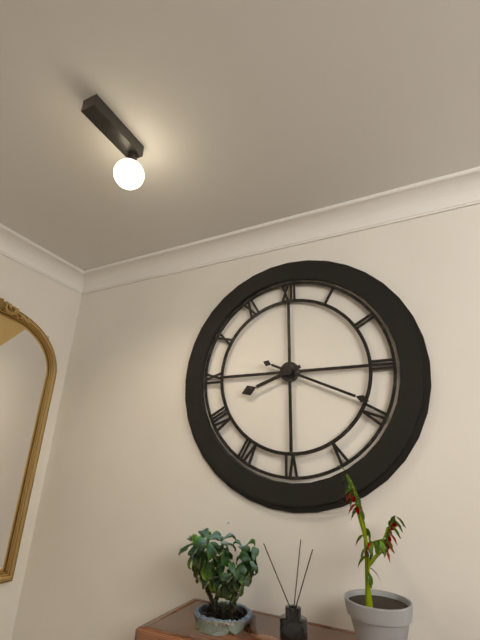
8:19
